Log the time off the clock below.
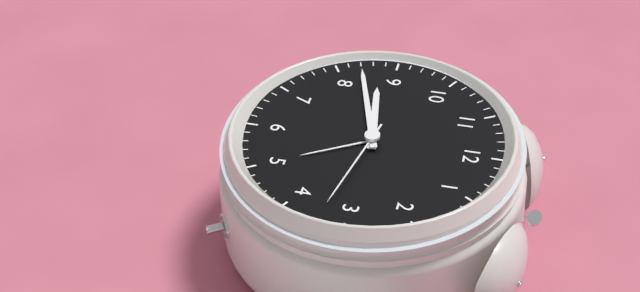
8:42:17
